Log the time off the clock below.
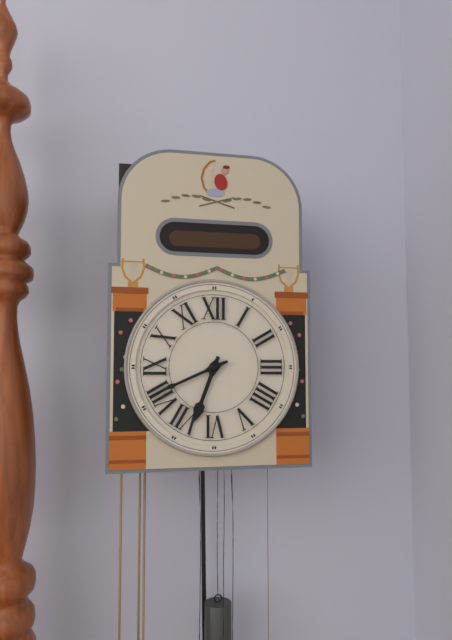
6:41
